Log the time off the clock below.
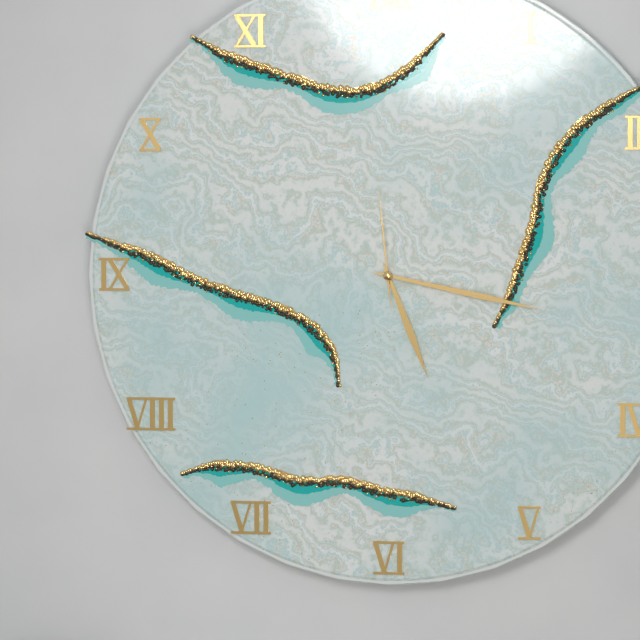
5:17:59
